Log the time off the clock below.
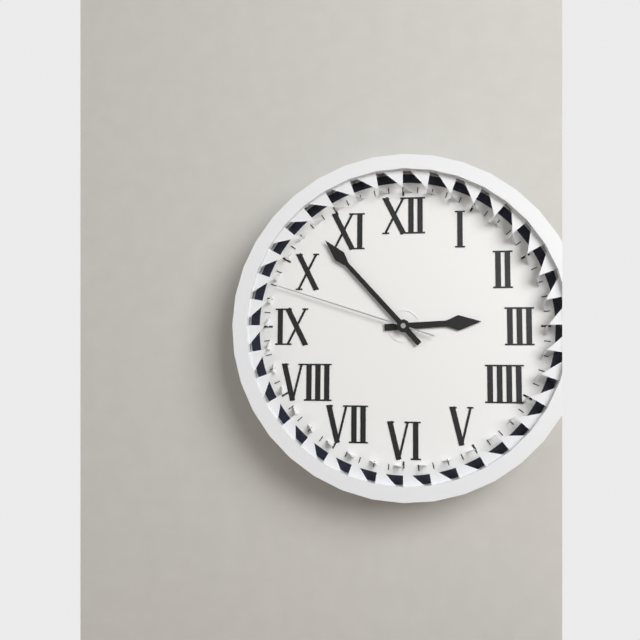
2:53:48
